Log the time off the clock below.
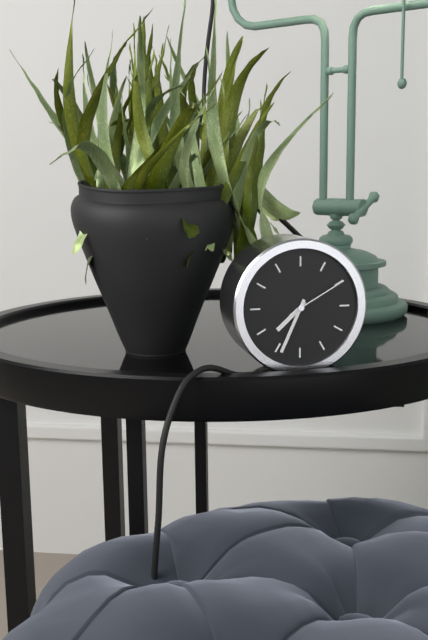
7:34:10
